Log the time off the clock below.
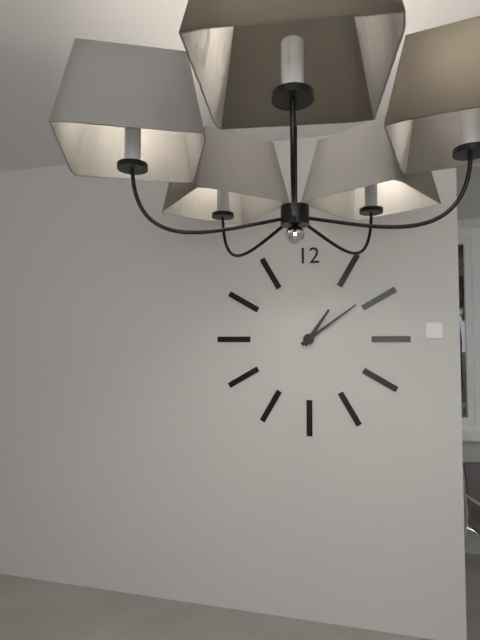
1:09
